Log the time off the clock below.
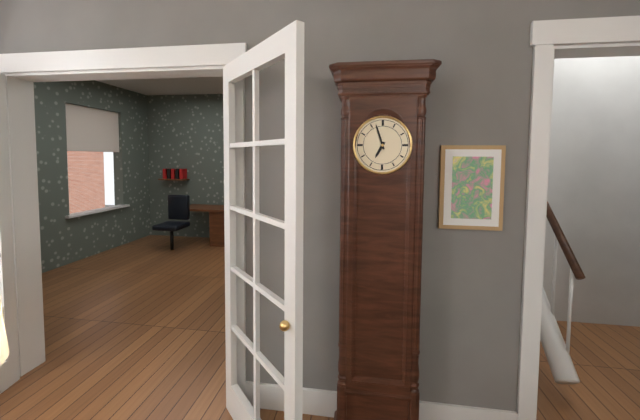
6:57
